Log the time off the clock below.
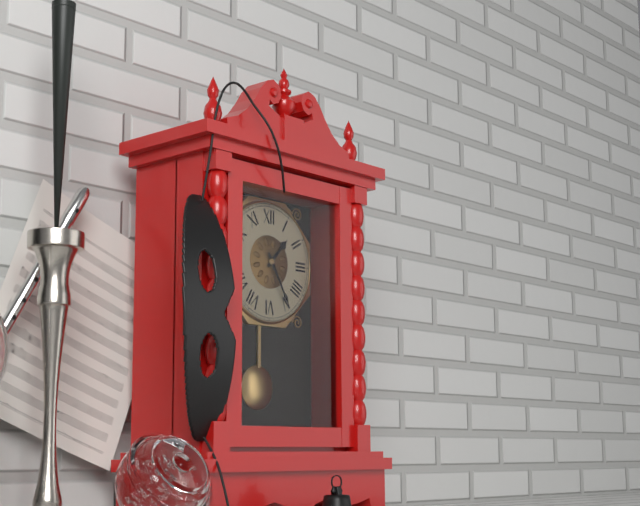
1:25
